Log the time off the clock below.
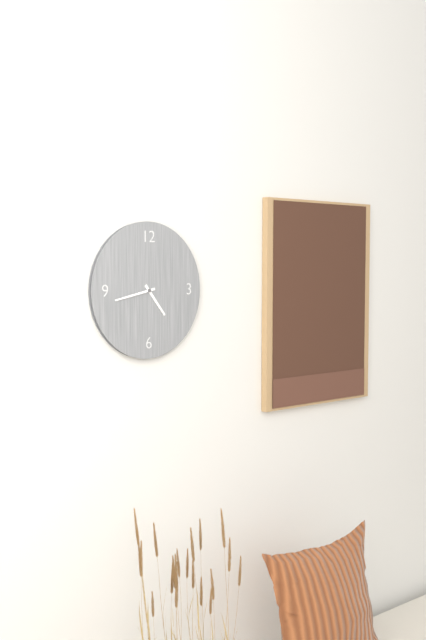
4:43
